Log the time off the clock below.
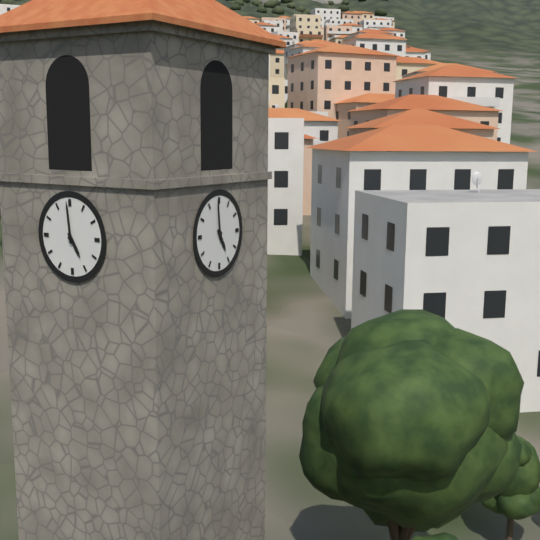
4:59
